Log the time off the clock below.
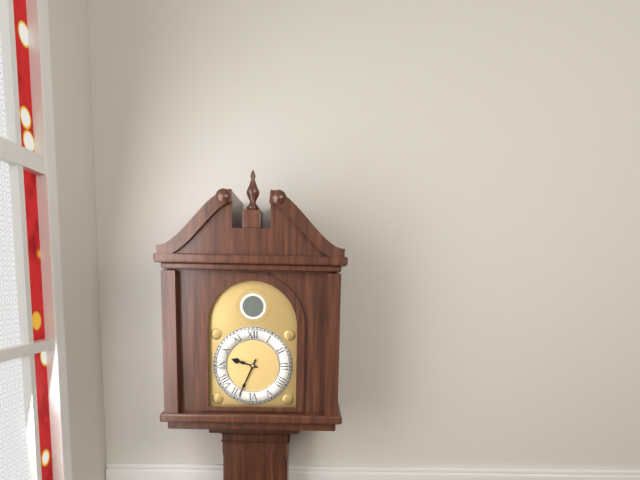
9:34
